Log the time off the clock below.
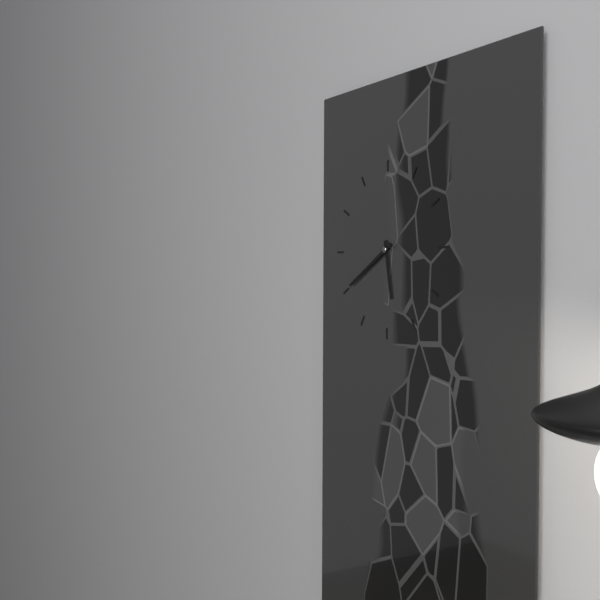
5:40
